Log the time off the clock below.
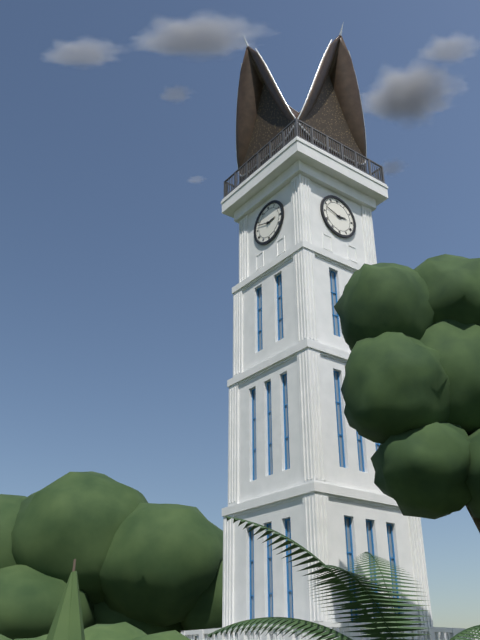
2:48
